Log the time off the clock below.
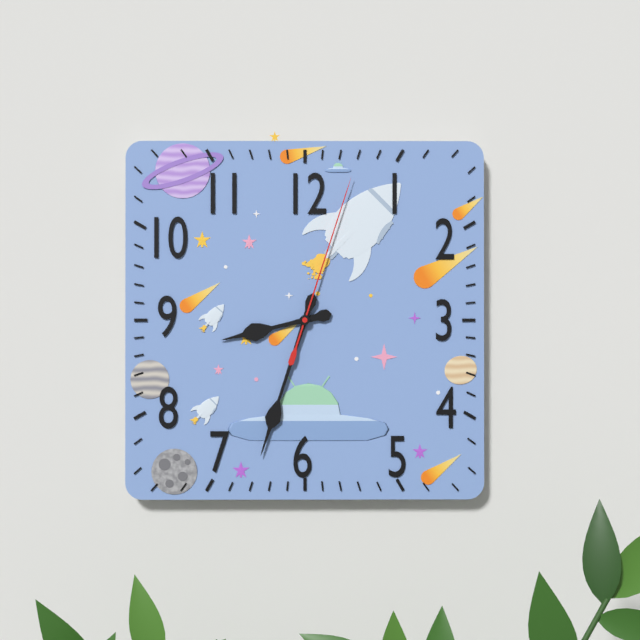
8:33:03
